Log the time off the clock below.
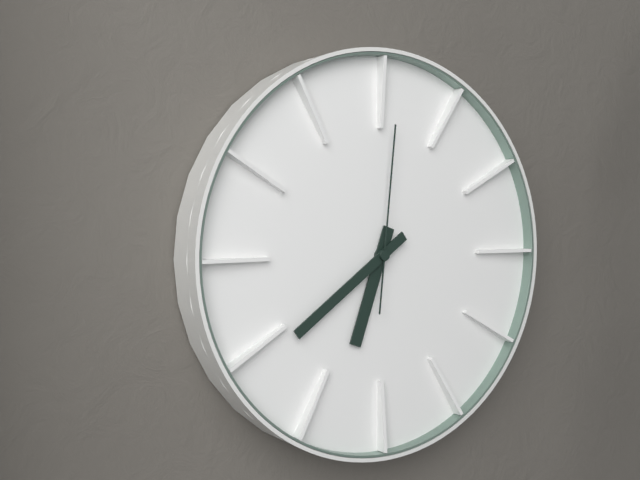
6:39:01
